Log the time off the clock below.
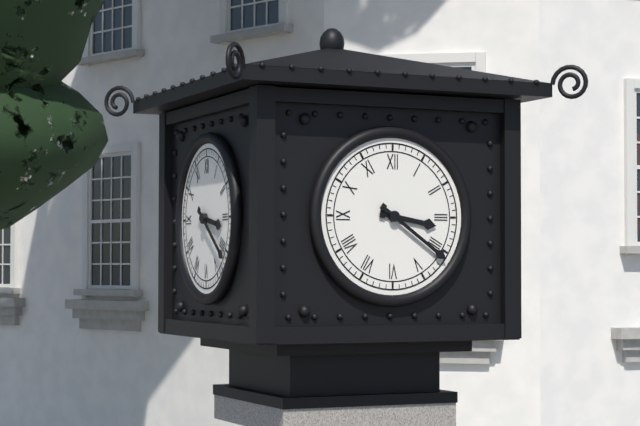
3:21
